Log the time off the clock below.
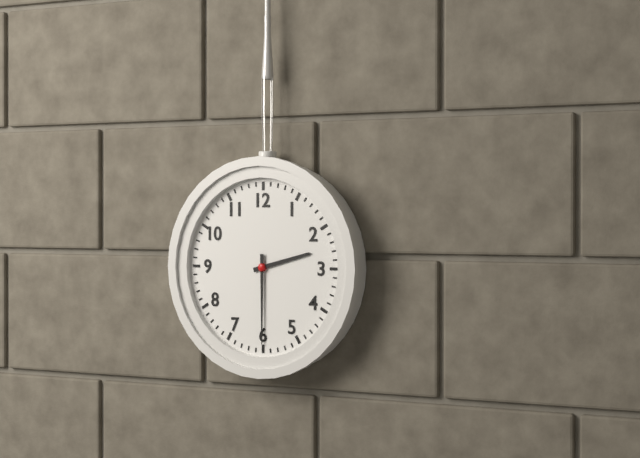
2:30
